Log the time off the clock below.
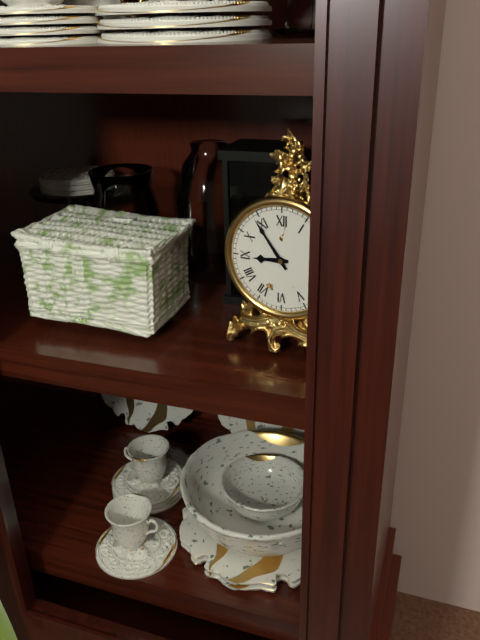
8:54
